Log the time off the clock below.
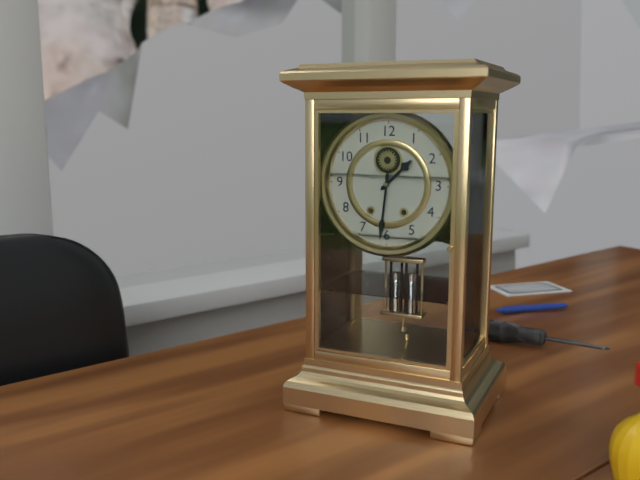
1:31
